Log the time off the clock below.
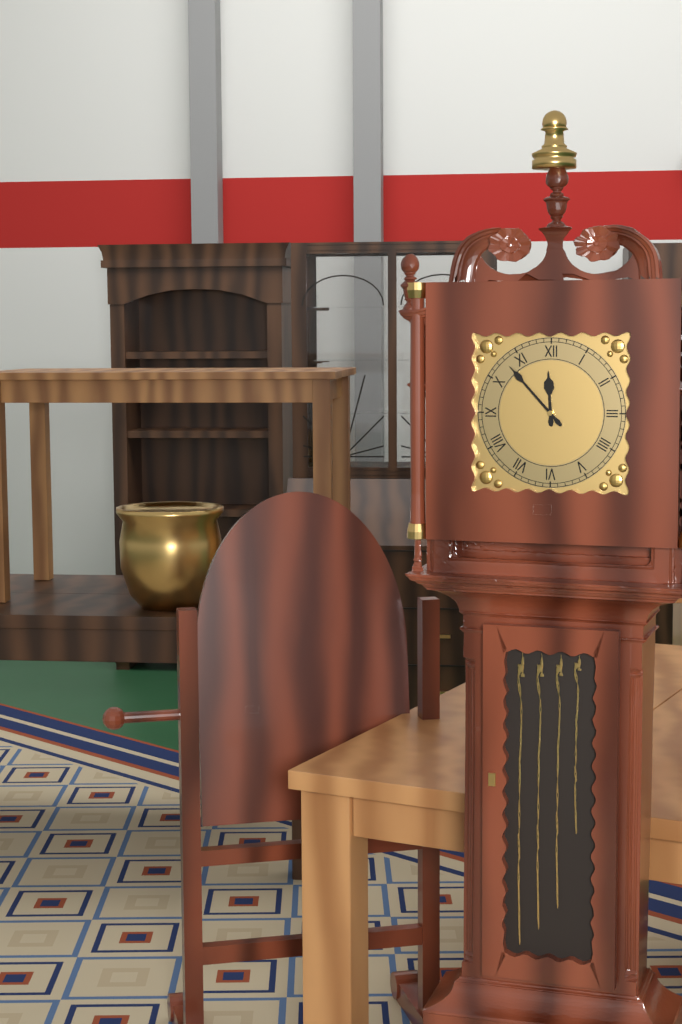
11:53
